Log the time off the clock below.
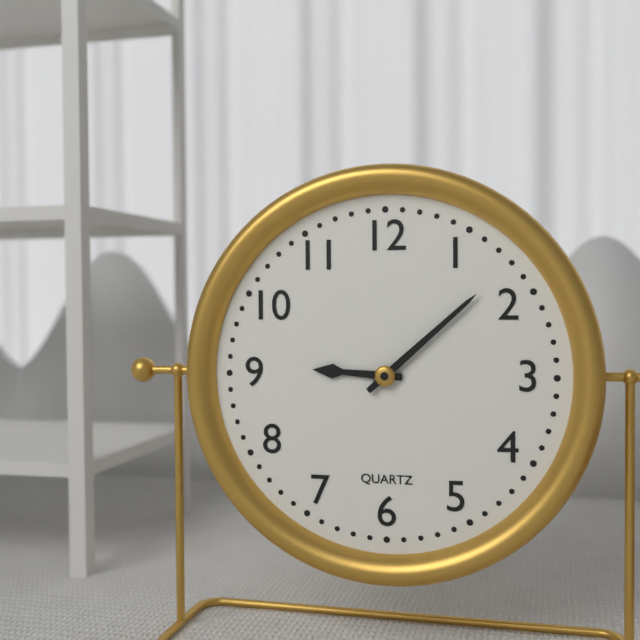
9:08
